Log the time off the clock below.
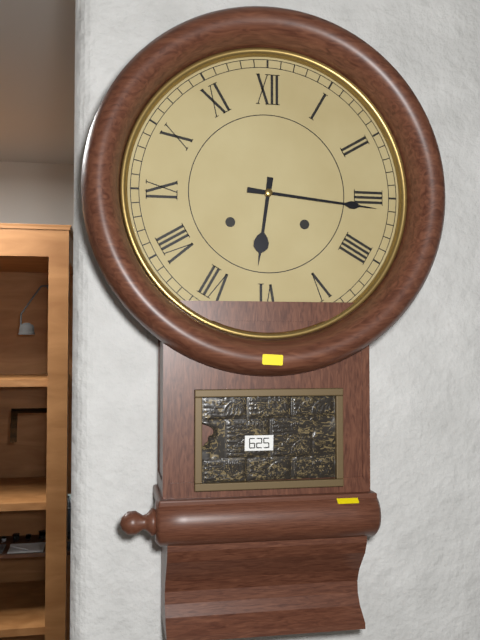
6:16
